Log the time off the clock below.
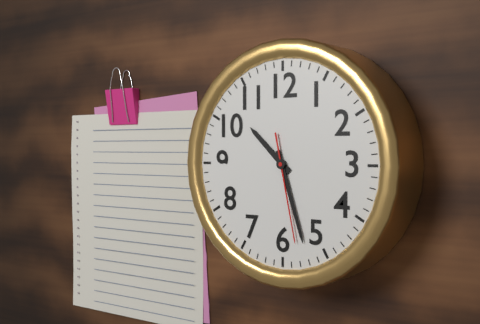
10:27:28
